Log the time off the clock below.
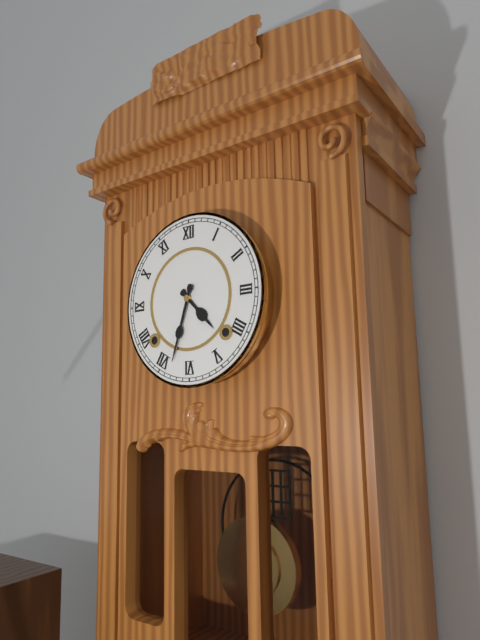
4:33
